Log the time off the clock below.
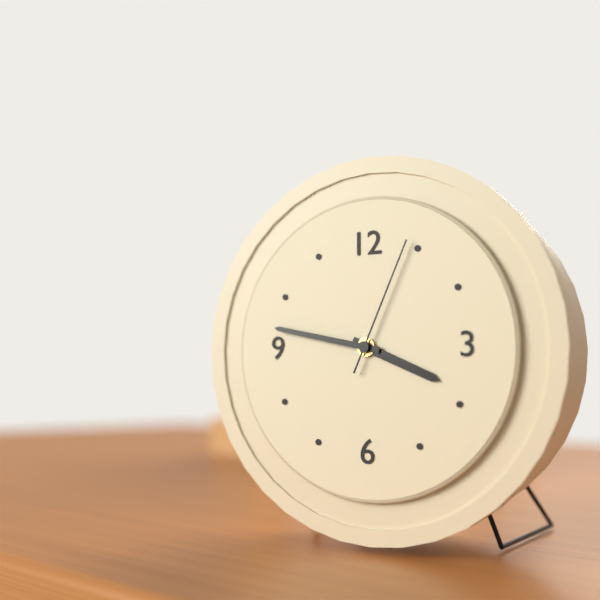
3:47:04
